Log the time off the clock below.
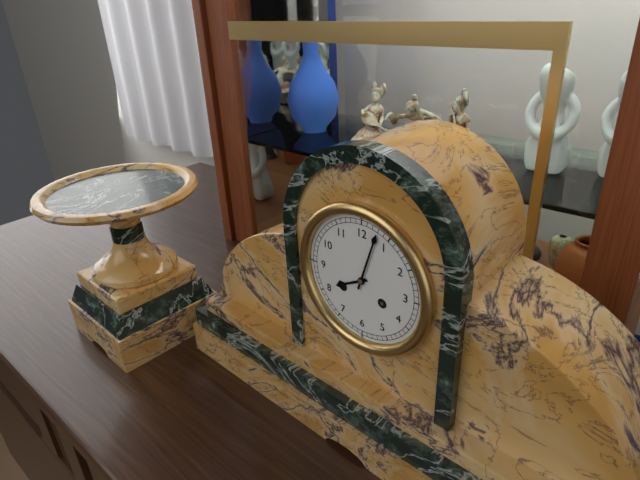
8:03
